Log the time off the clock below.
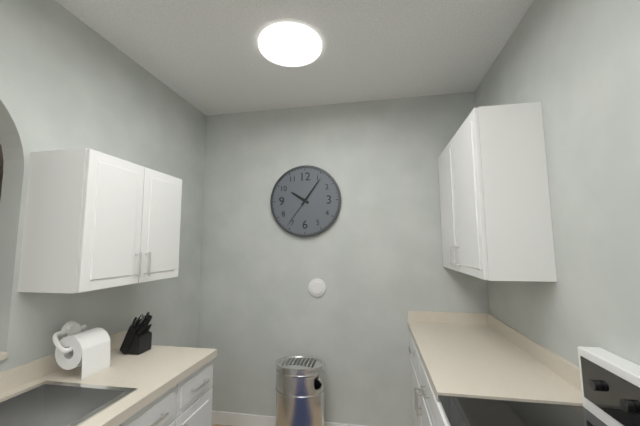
10:06
